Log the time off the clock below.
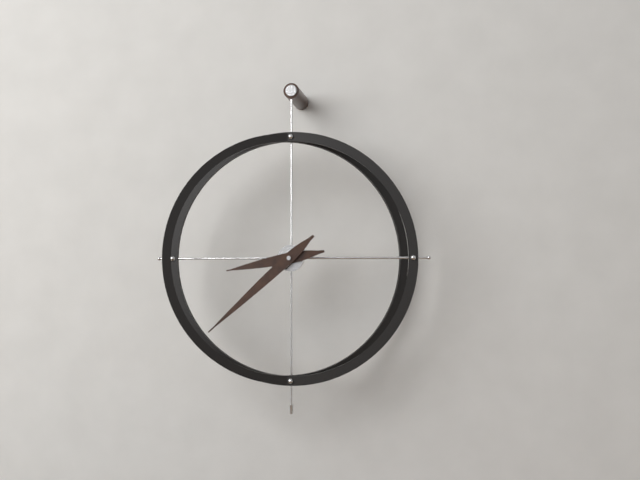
8:38
